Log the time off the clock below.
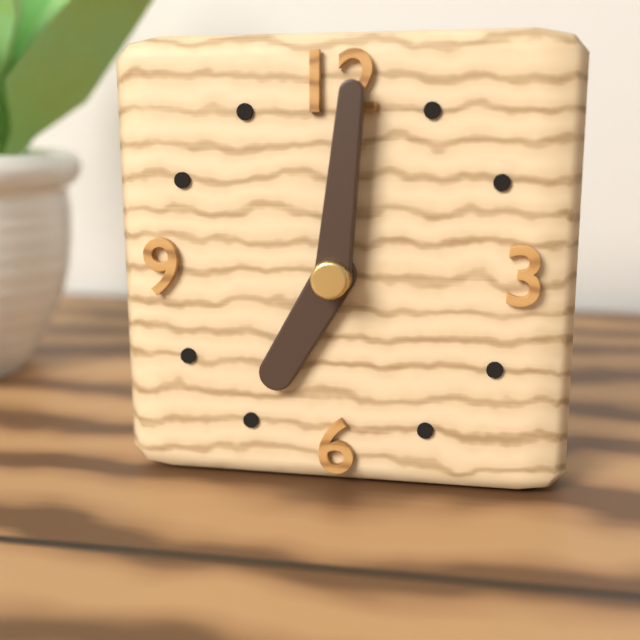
7:01
